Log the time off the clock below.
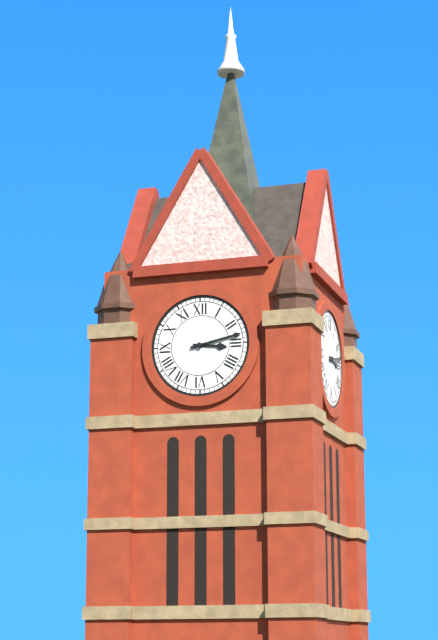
3:13
